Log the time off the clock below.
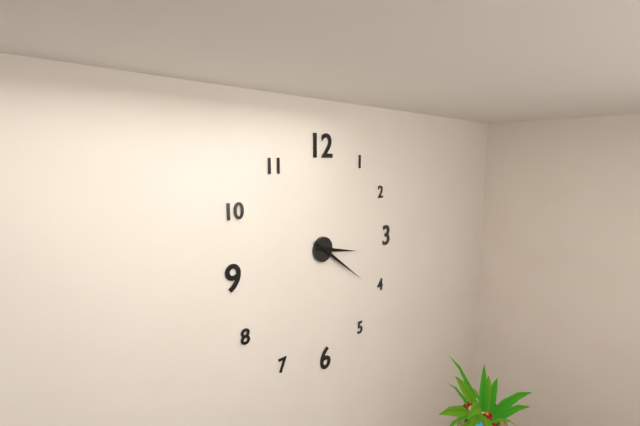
3:21
